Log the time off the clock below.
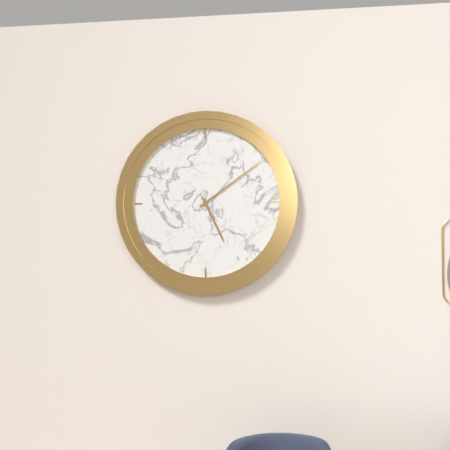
5:09
